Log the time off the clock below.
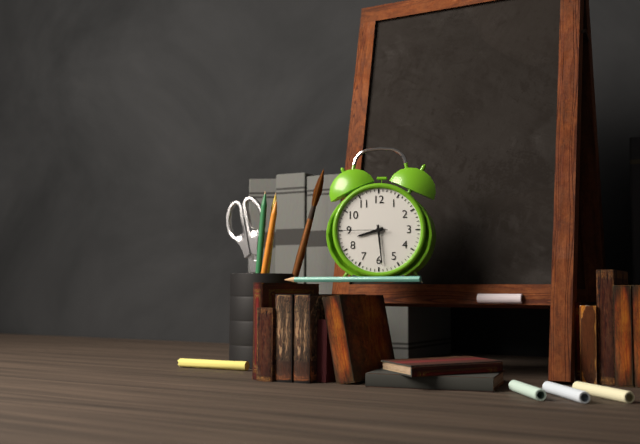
8:29
